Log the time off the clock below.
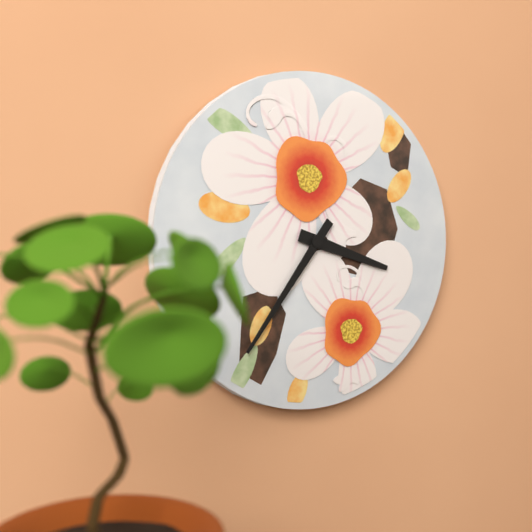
3:36
